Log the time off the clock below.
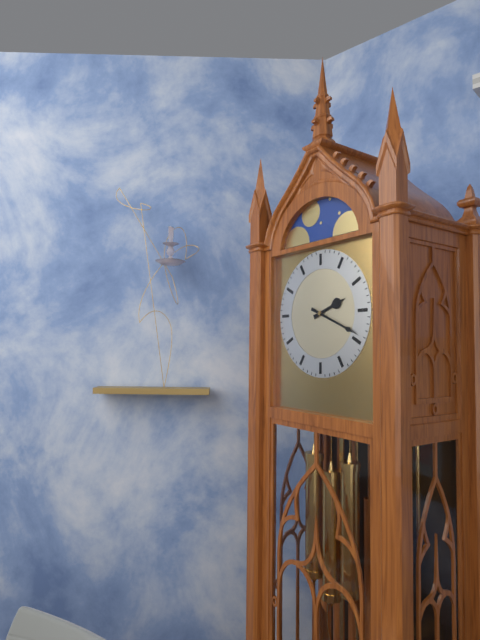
2:19
